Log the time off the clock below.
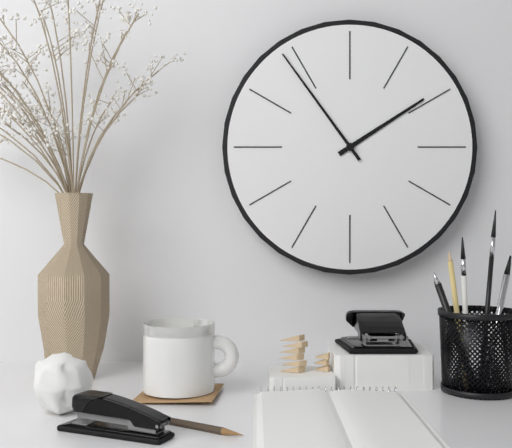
1:54
